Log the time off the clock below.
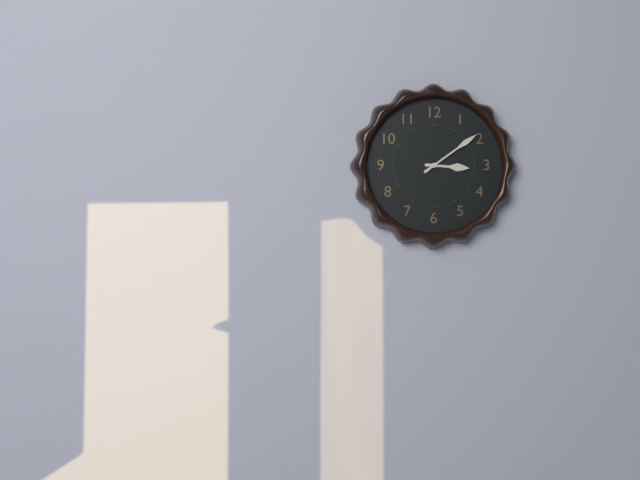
3:09
